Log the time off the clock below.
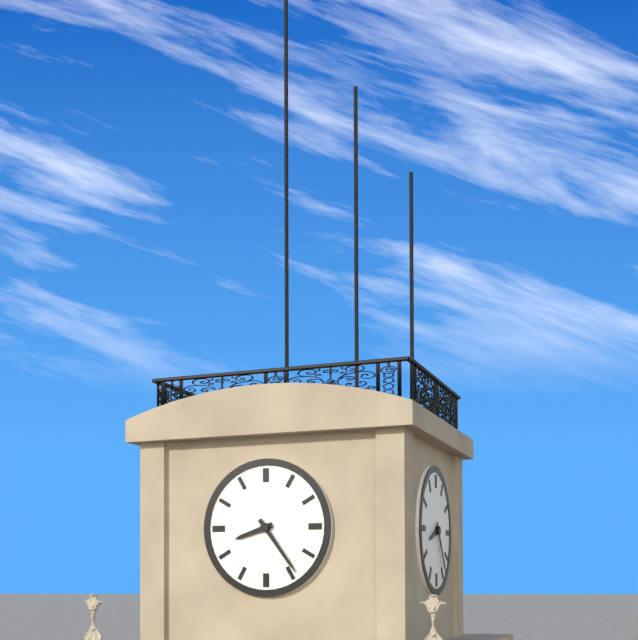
8:24
